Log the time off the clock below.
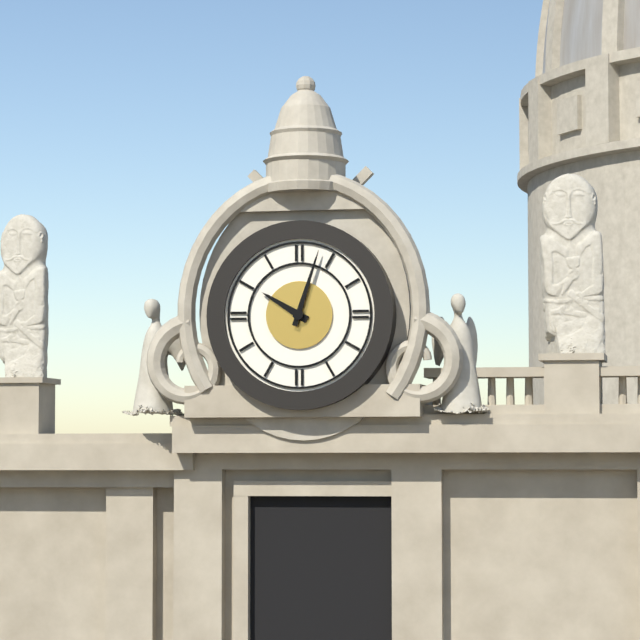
10:03
